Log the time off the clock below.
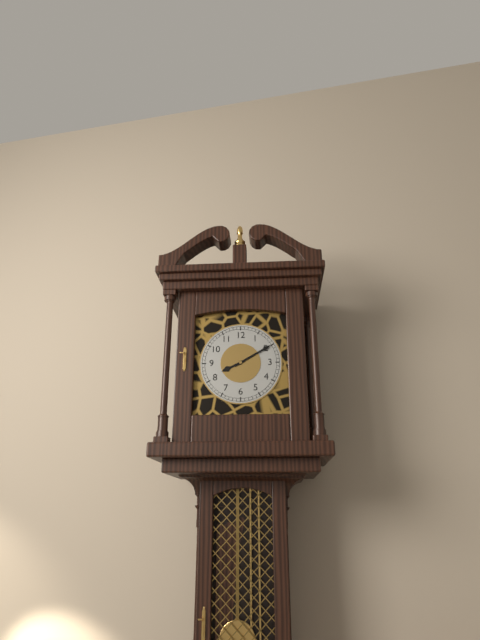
8:10
